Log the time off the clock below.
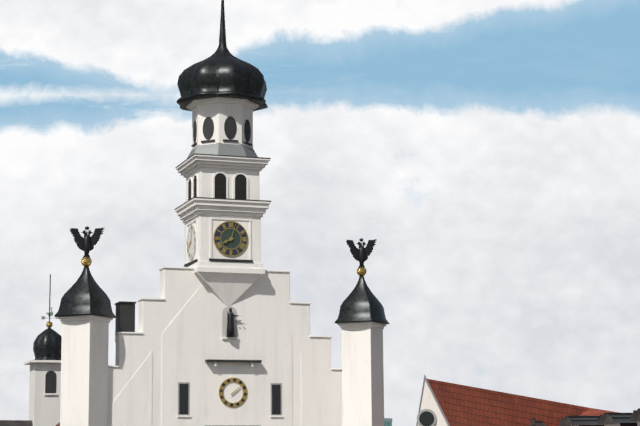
8:03
